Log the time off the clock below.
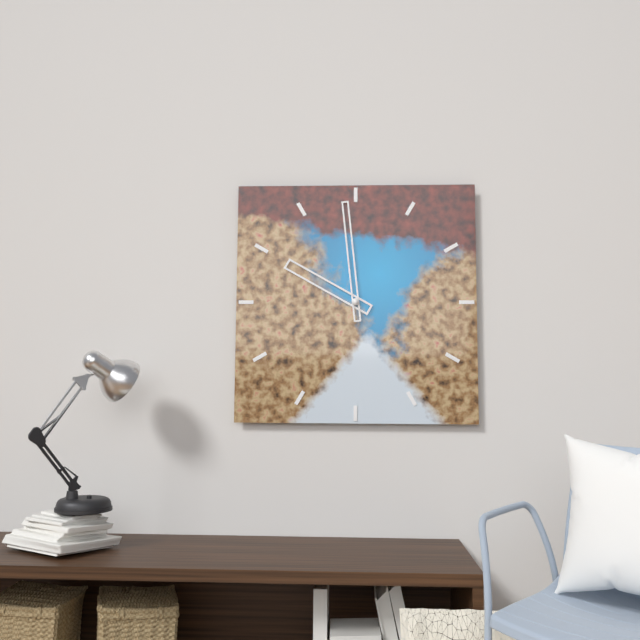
9:59
